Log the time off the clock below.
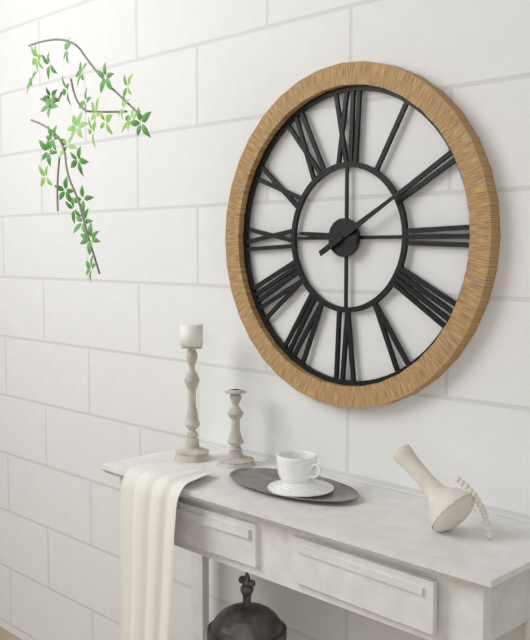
9:10
